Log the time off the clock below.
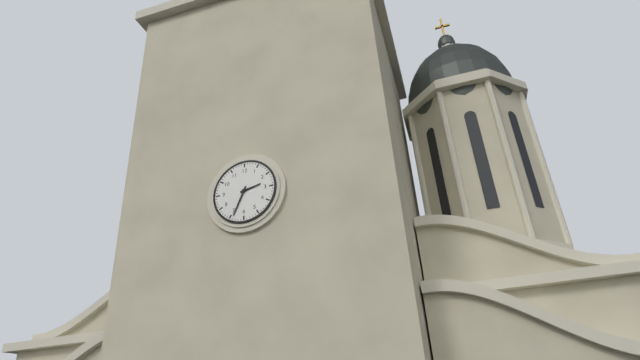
2:34
